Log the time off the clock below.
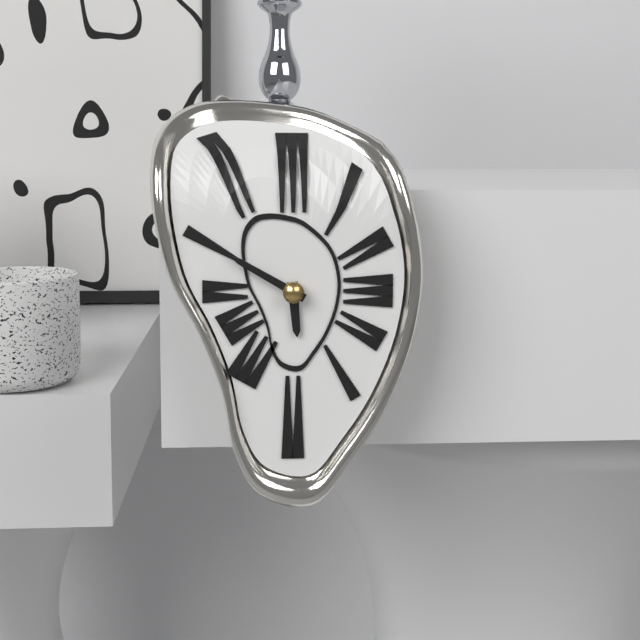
5:50
